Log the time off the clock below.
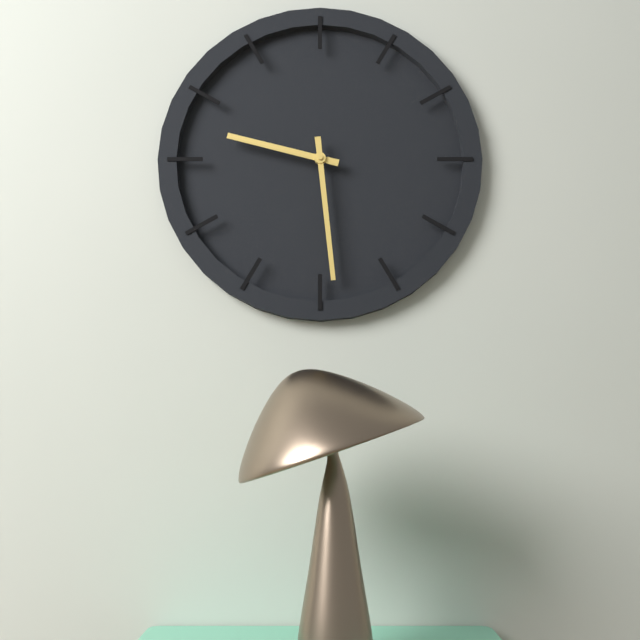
9:29
